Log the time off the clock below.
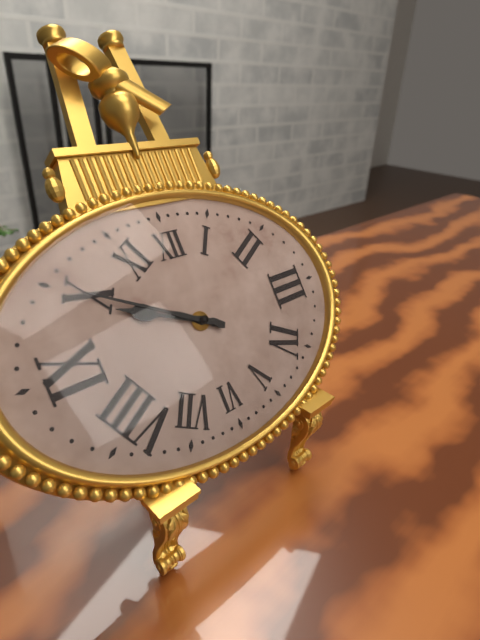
9:50
